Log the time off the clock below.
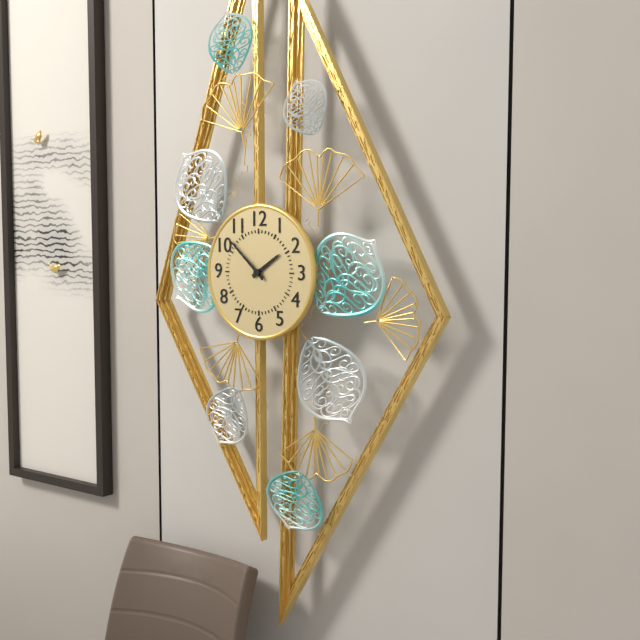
1:52
